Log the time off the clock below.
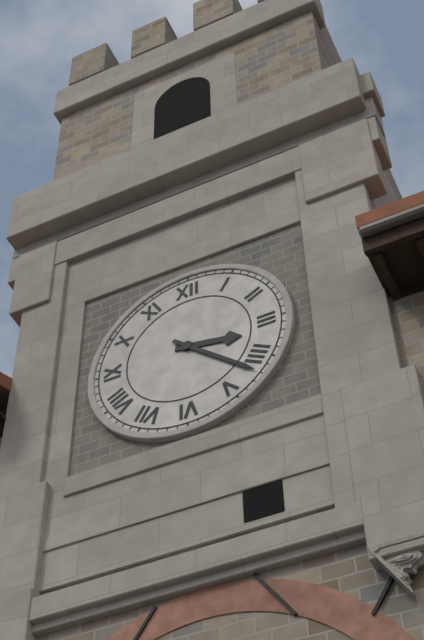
3:22
